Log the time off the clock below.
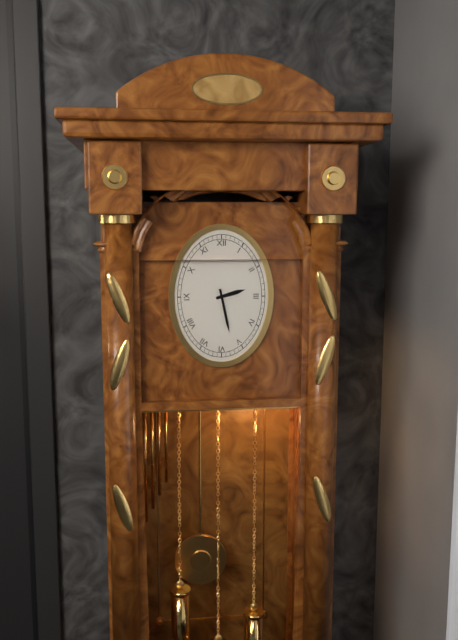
2:28
